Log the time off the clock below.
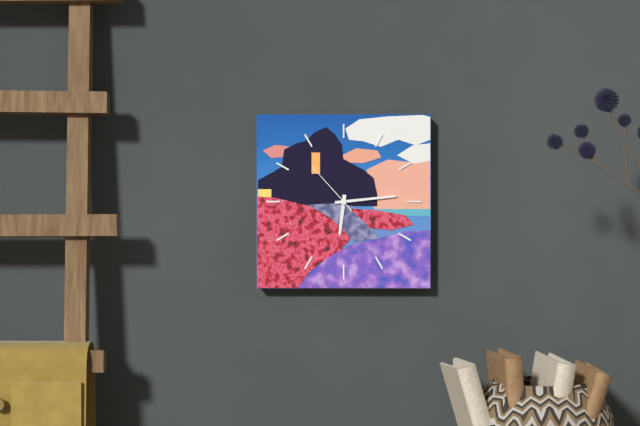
6:14:53
